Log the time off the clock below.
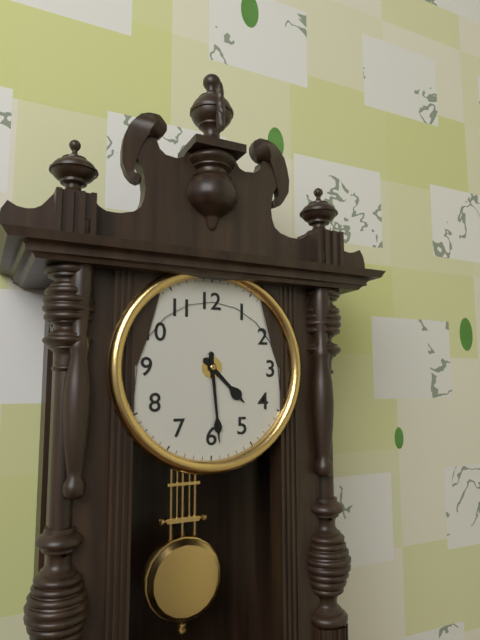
4:29
